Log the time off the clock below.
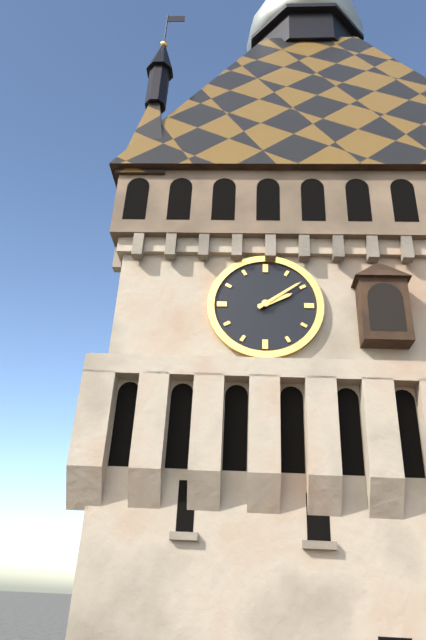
2:09
